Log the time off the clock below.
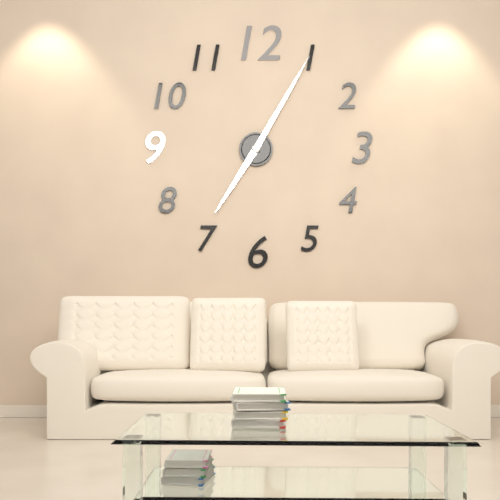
7:05
